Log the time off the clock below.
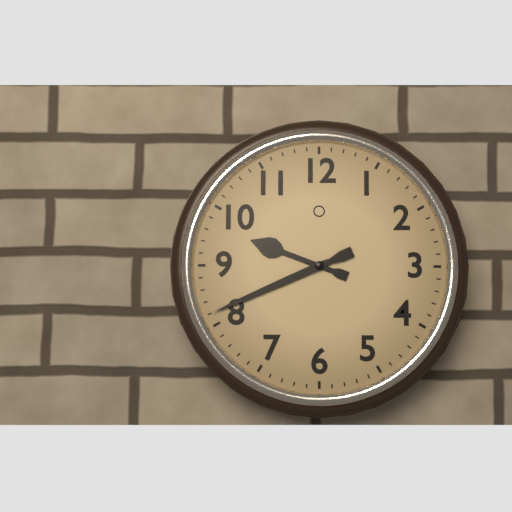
9:41
